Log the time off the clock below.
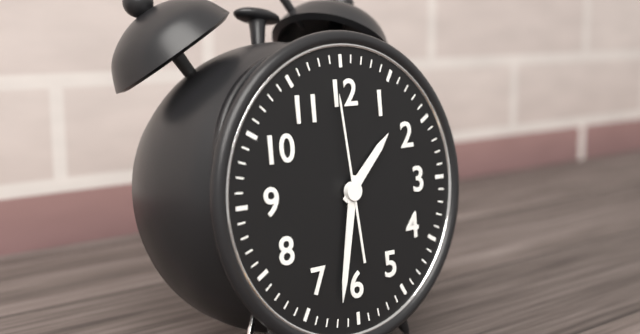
1:32:59
